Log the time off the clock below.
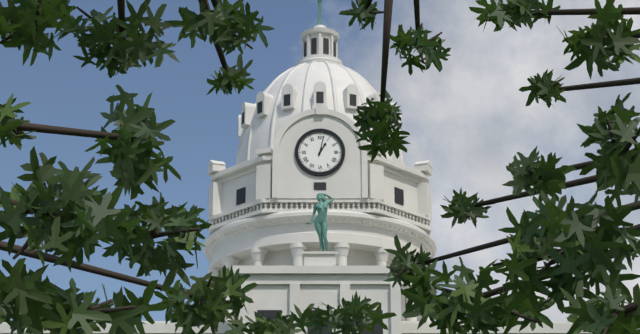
1:02
